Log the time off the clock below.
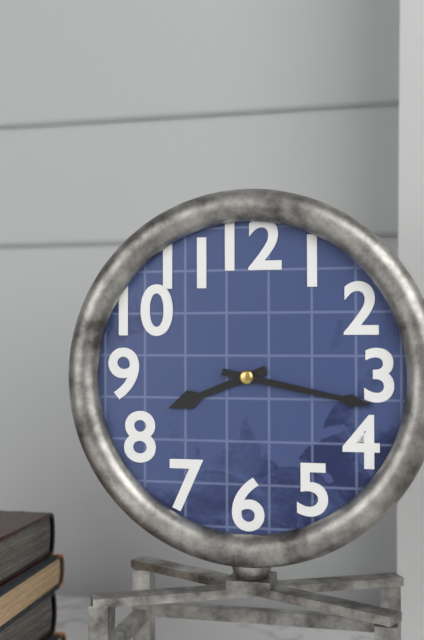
8:17
